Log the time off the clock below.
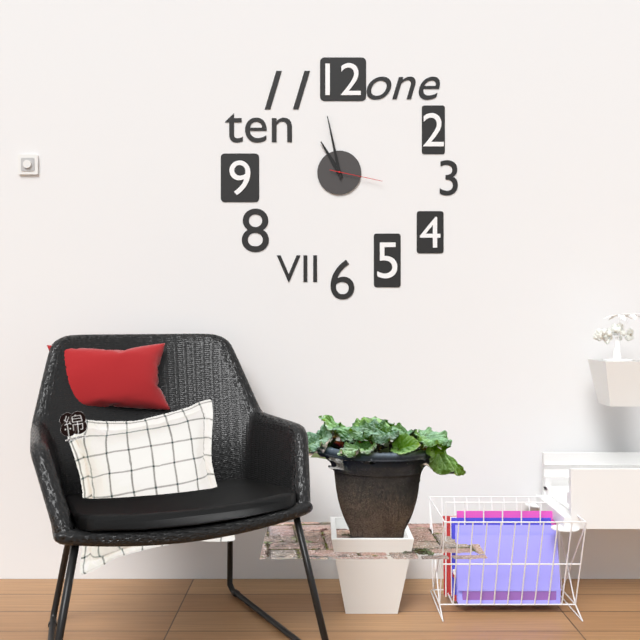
10:58:17
